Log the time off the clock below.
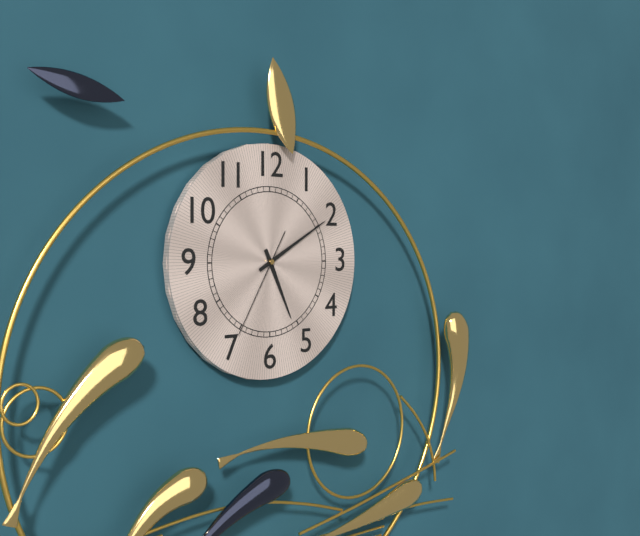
5:10:35
